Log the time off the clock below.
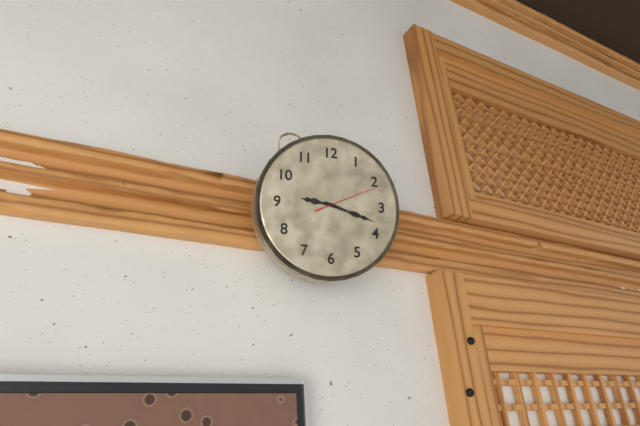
9:18:11
